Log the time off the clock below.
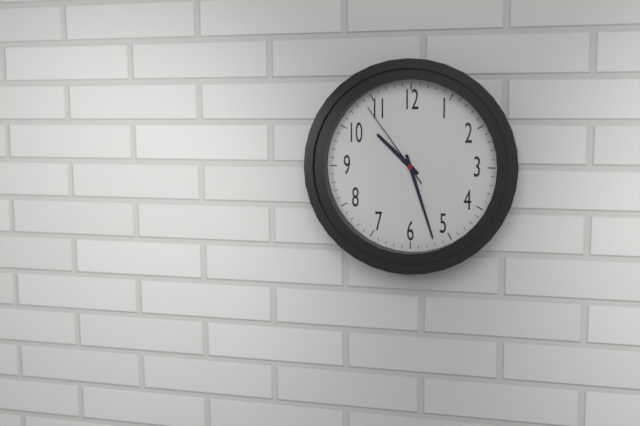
10:27:54
